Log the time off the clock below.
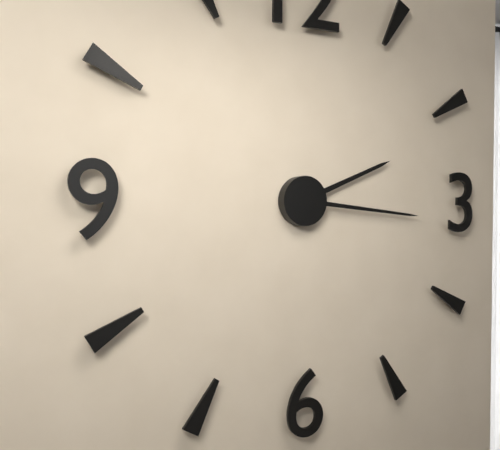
2:16
